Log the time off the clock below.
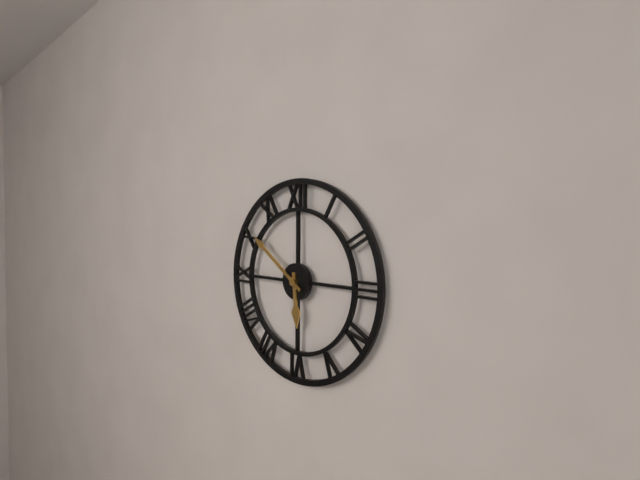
5:51
